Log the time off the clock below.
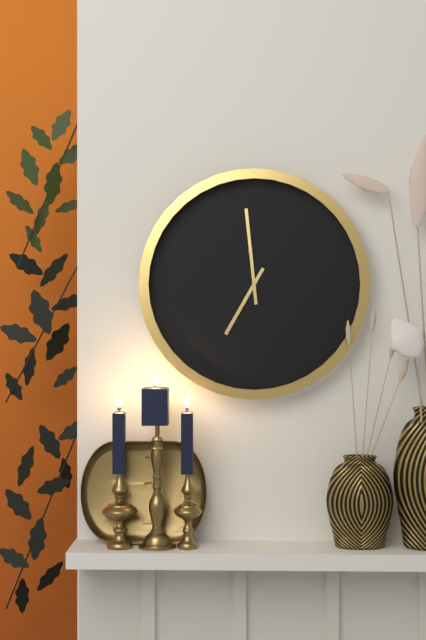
6:59
